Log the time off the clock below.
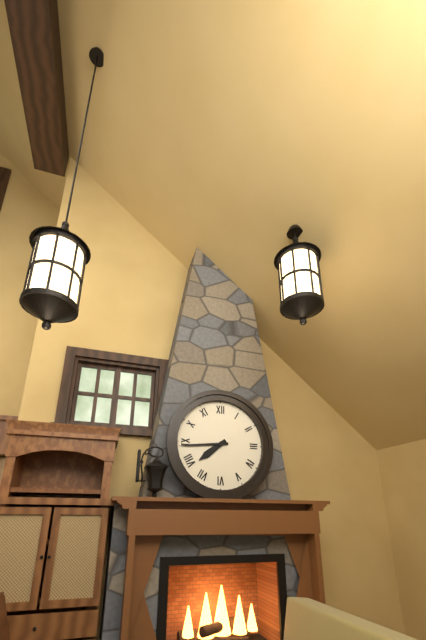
7:44
